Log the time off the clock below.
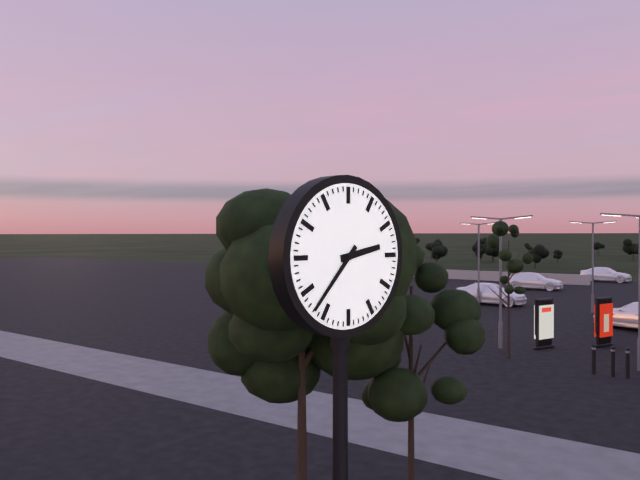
2:37
